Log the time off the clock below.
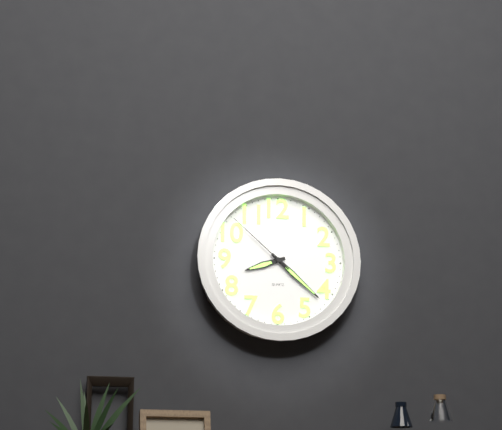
8:22:52
